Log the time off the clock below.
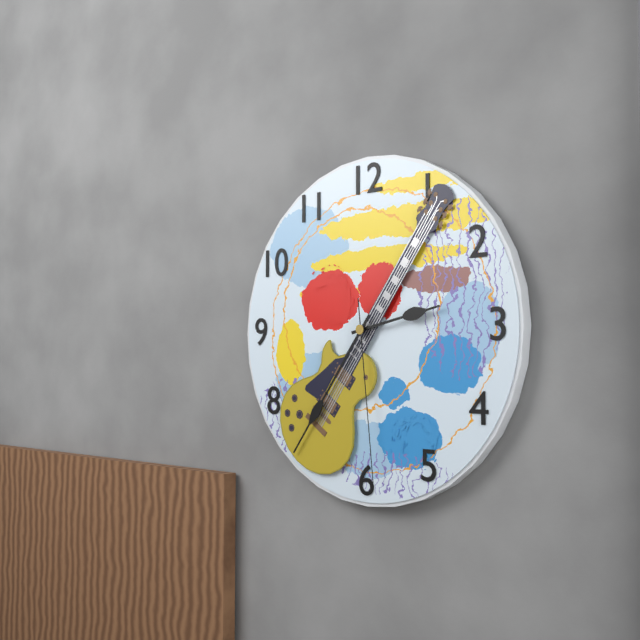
2:36:29
